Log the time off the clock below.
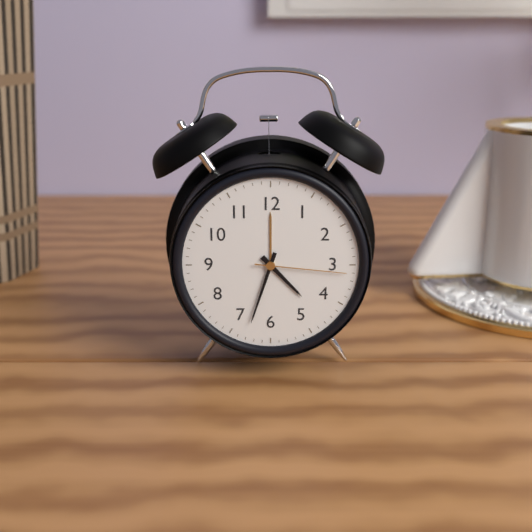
4:33:16
